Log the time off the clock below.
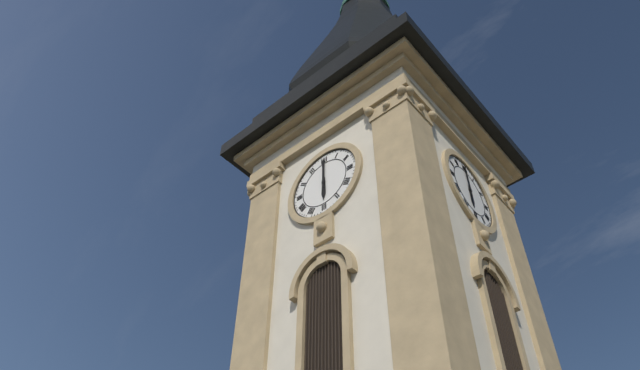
6:00
